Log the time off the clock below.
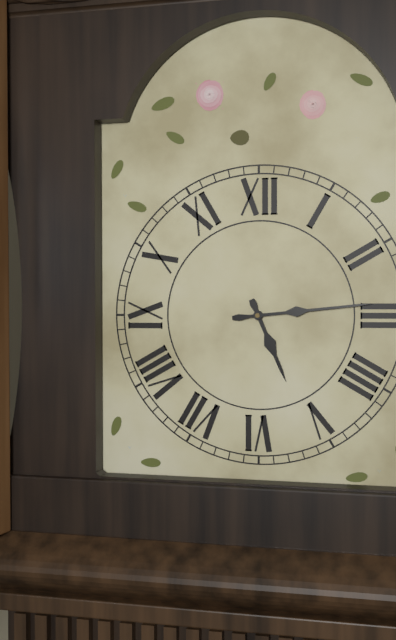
5:14
